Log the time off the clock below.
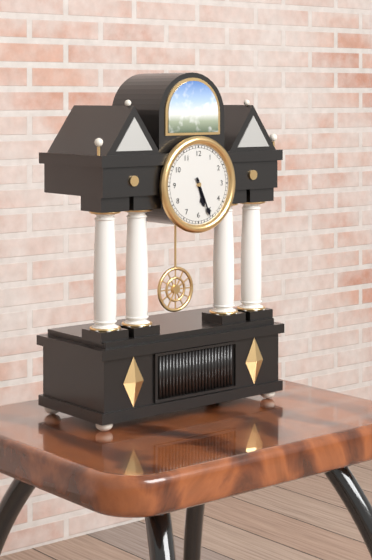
5:26
